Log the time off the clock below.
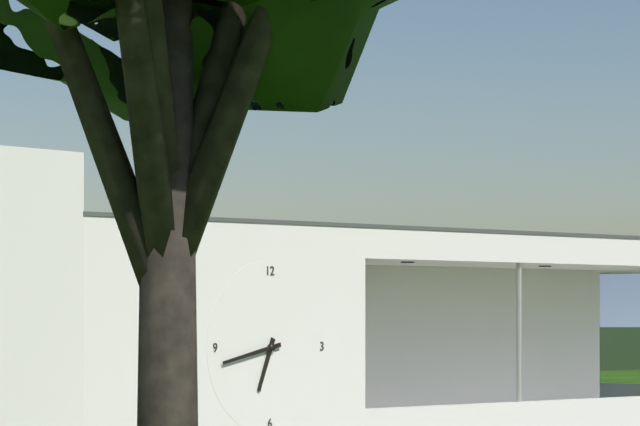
6:43
